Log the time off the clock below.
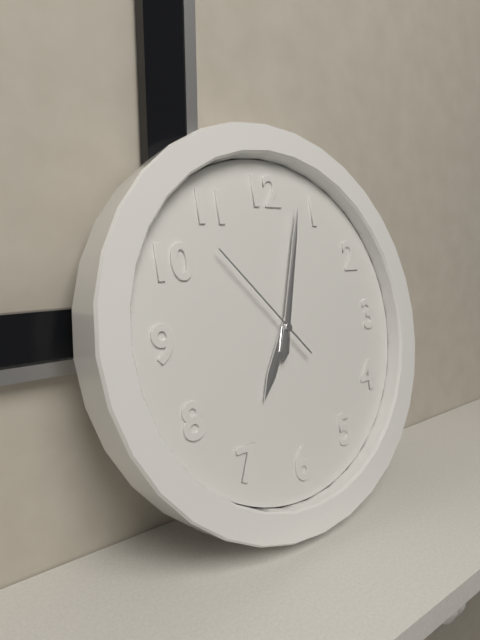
7:03:53
